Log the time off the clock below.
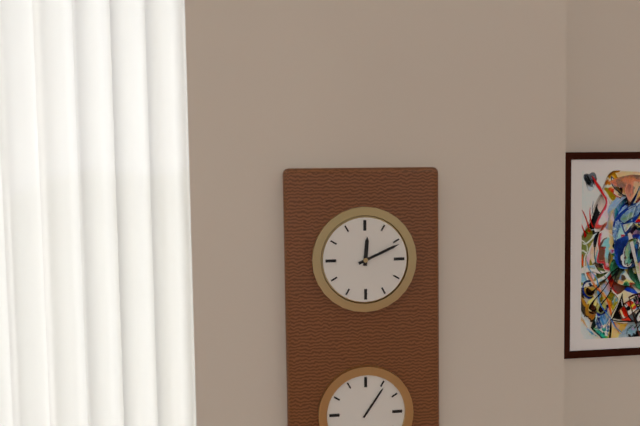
12:11
